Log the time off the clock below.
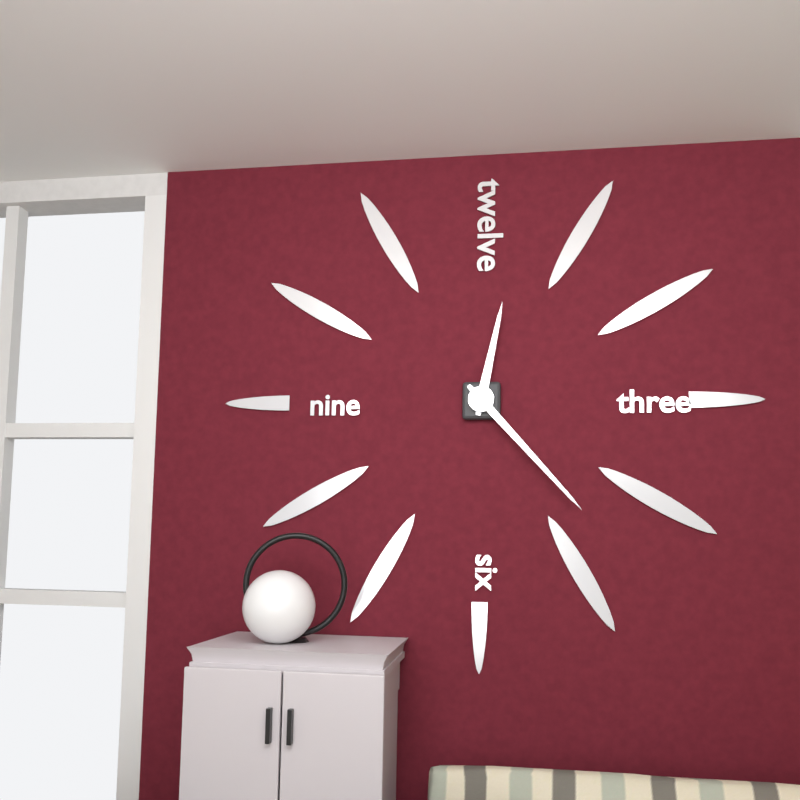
12:23
